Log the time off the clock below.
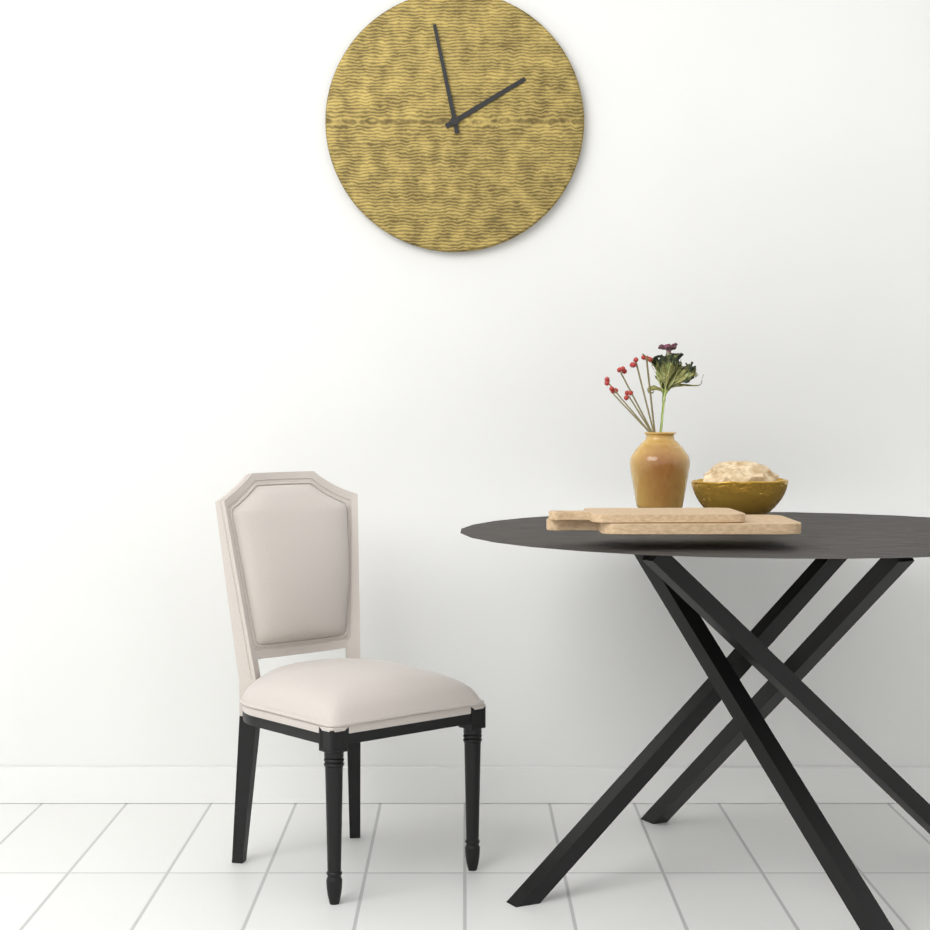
1:58
